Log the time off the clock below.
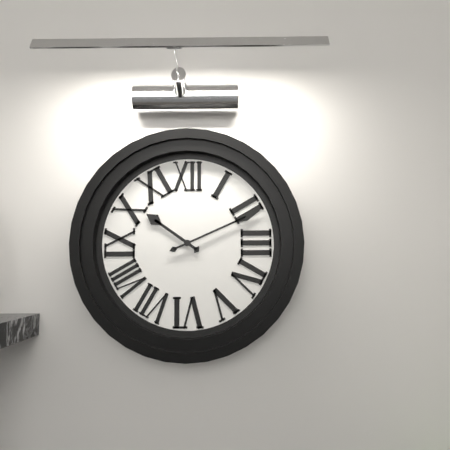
10:11
